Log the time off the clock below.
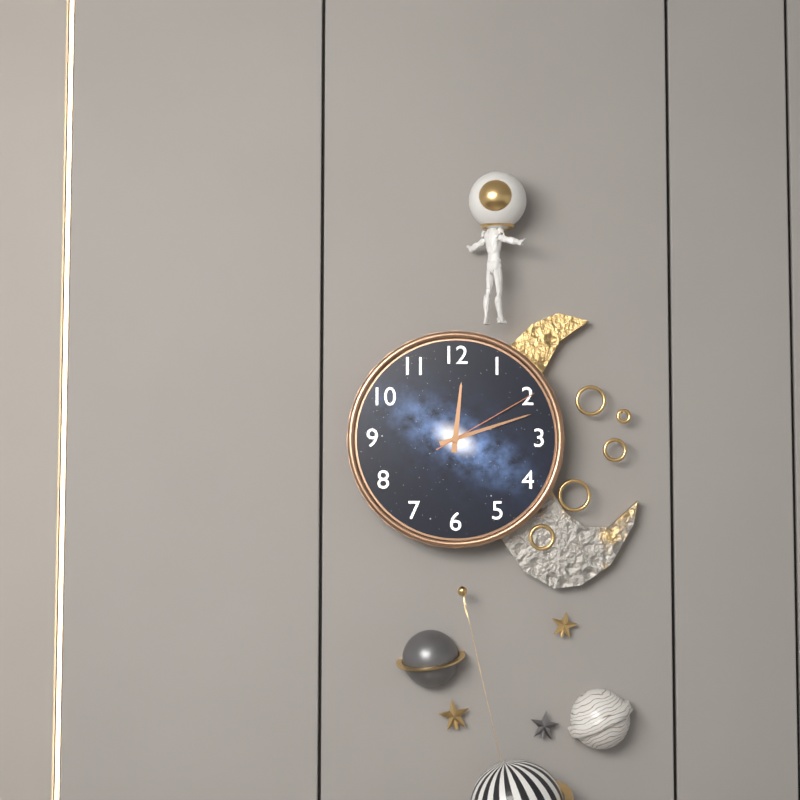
12:12:10
